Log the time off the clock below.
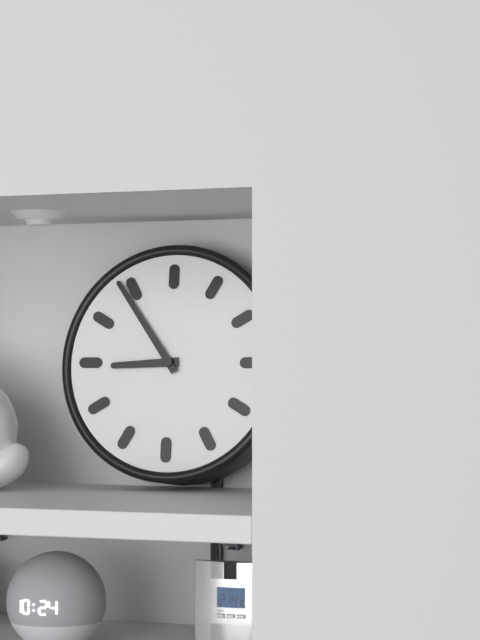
8:54
